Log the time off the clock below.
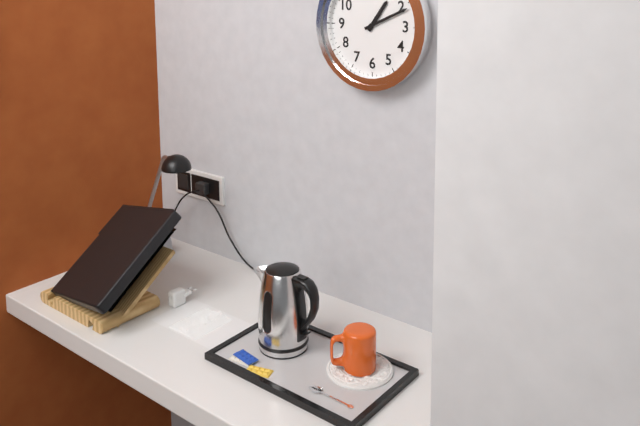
1:11
